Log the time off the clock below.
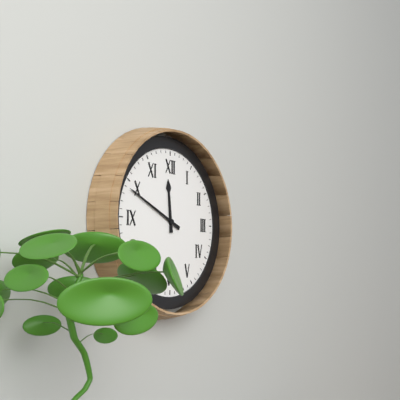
11:49
